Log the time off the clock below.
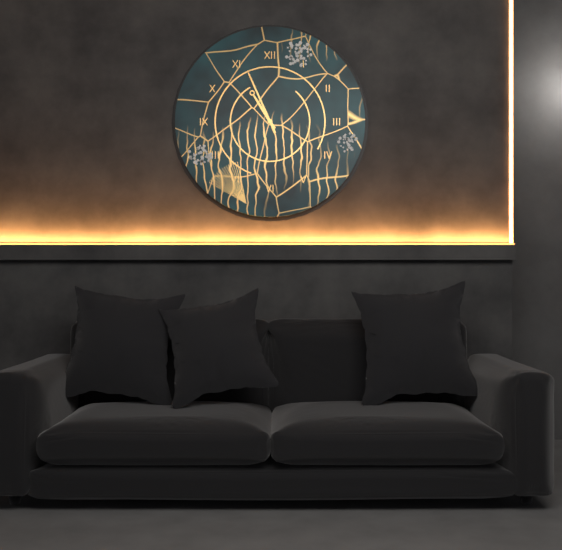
10:56
